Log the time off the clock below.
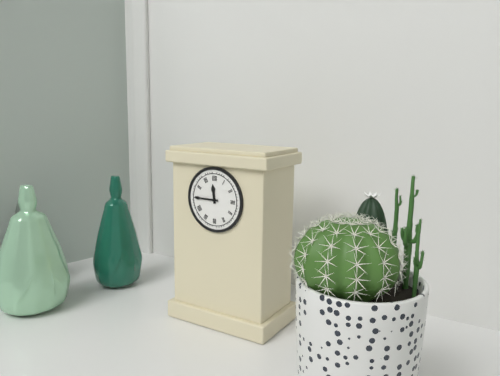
11:45
